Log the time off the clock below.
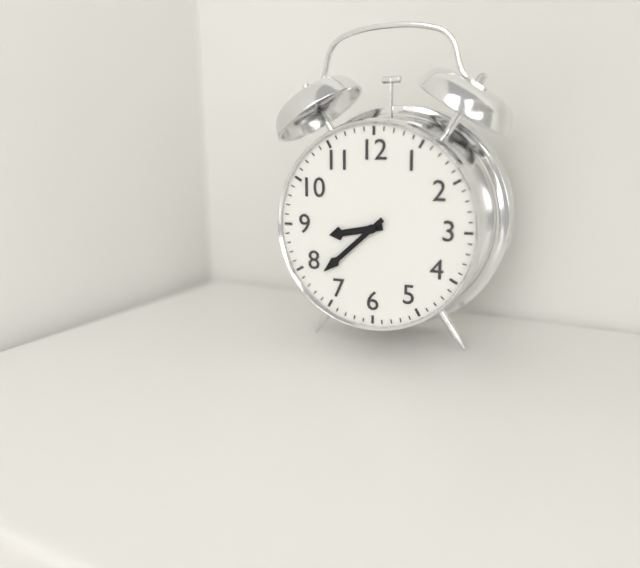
8:38
